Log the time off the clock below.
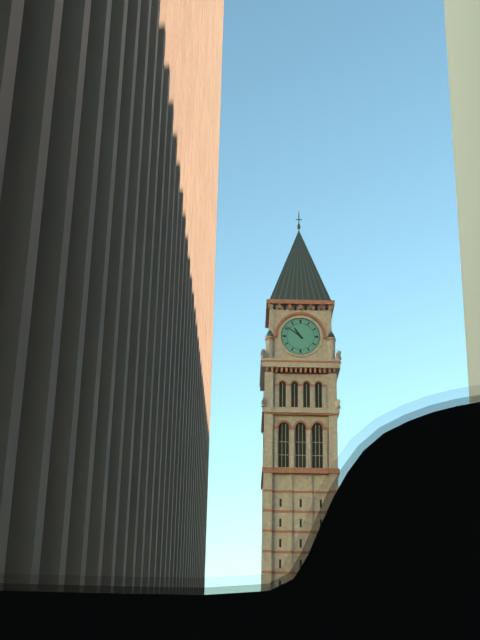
10:51
